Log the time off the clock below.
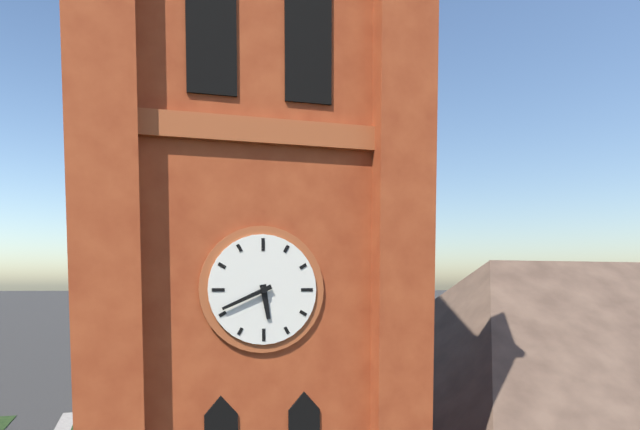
5:41
